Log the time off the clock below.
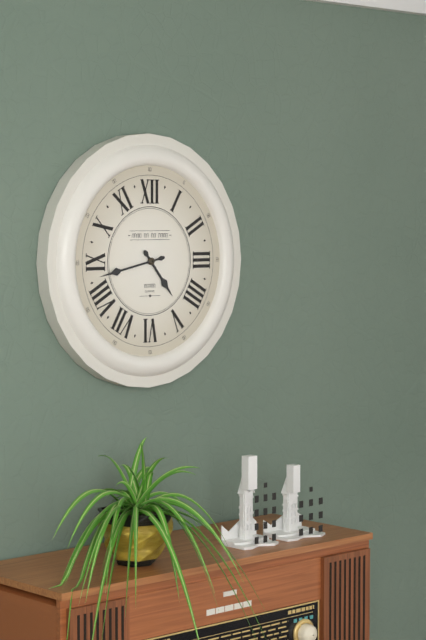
4:43
